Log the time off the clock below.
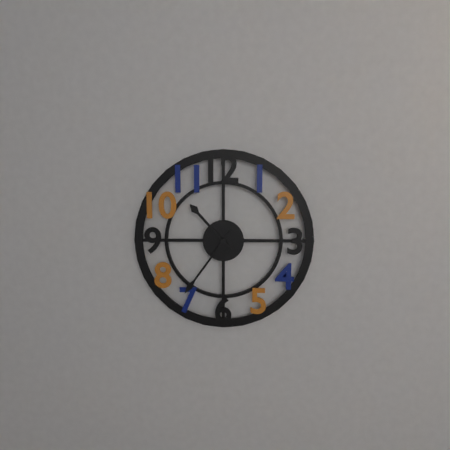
10:36
